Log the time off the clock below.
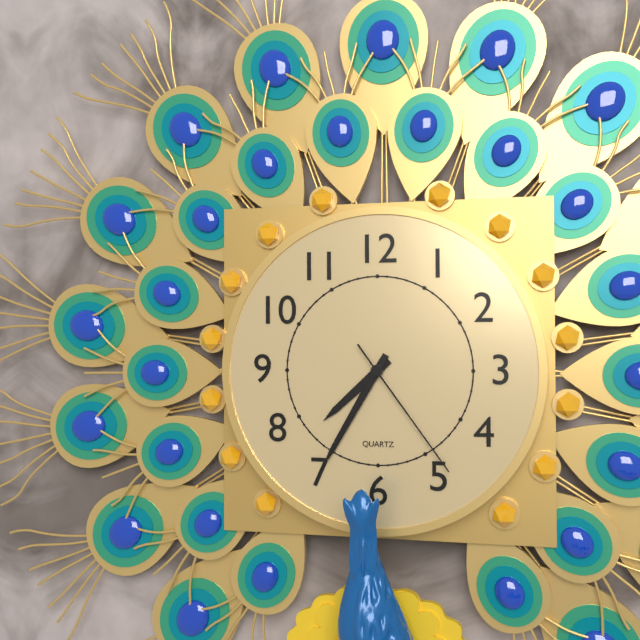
7:35:24
